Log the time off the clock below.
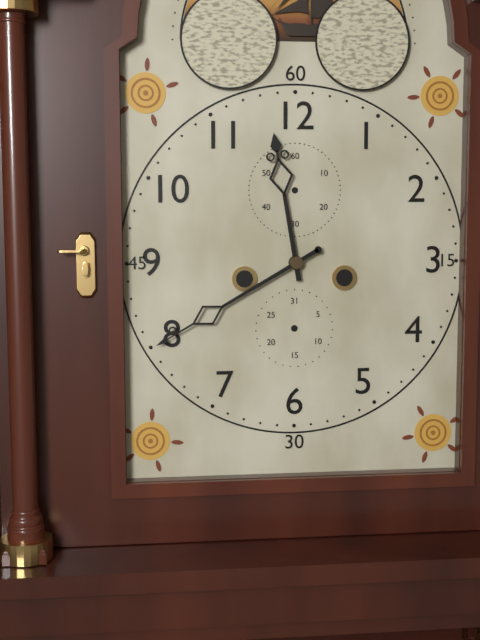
11:40
